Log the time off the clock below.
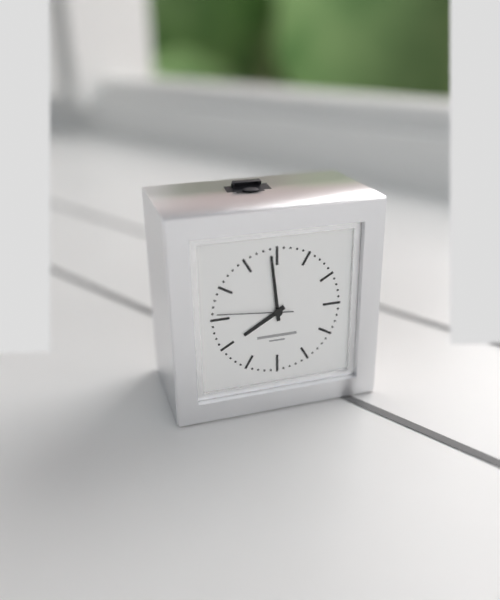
7:59:46
